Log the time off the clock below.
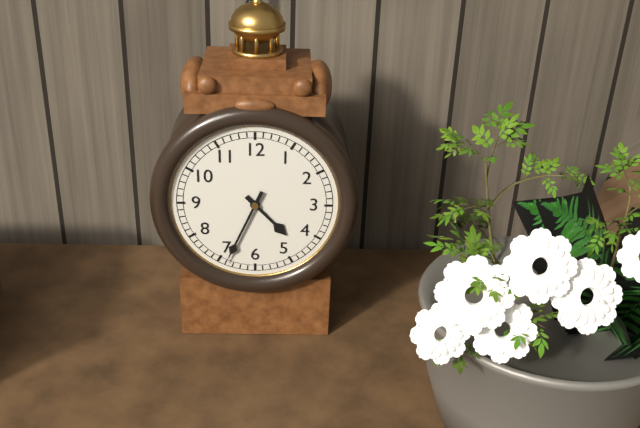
4:34
